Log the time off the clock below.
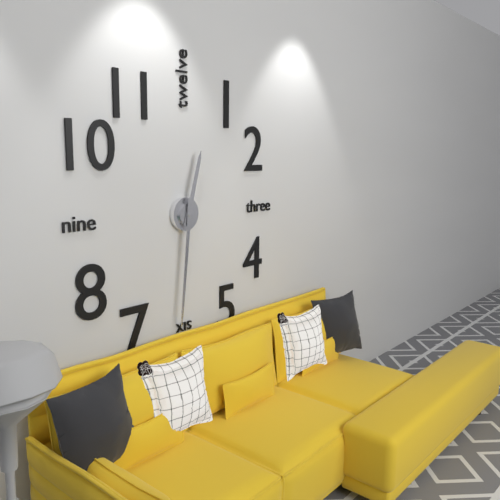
12:31
